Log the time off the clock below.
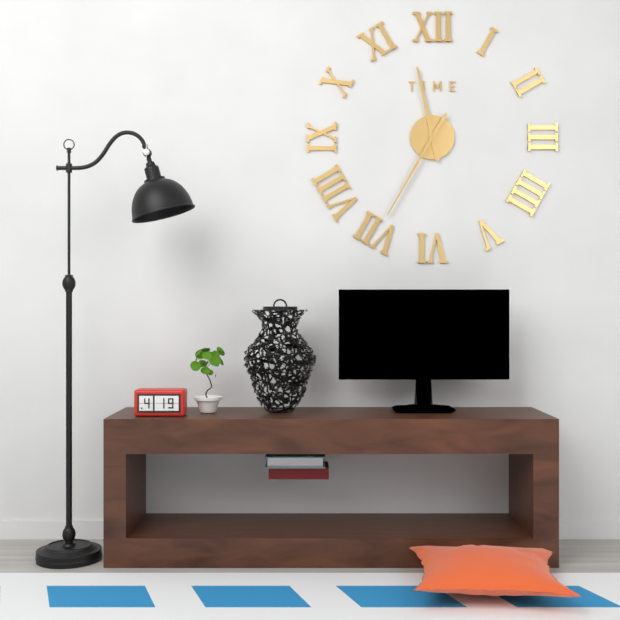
11:35
